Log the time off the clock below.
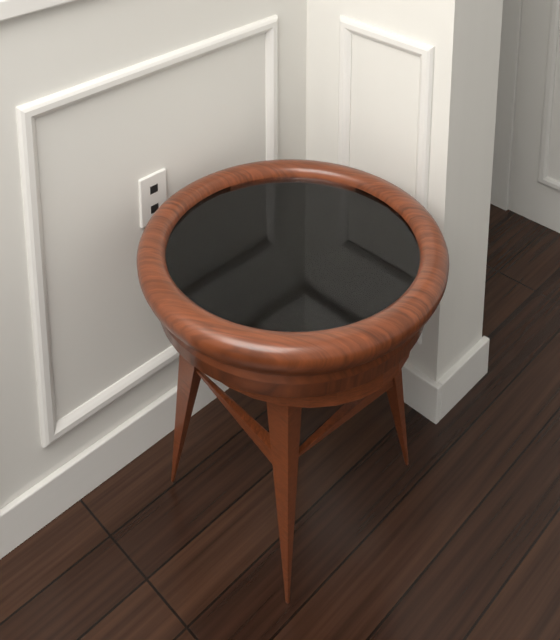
7:58
